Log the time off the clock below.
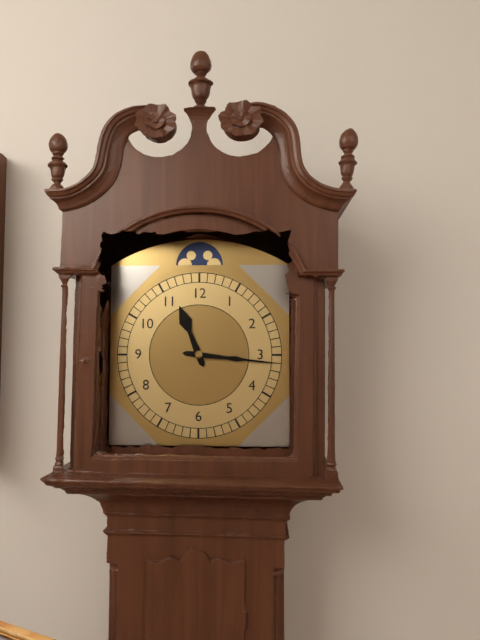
11:16
